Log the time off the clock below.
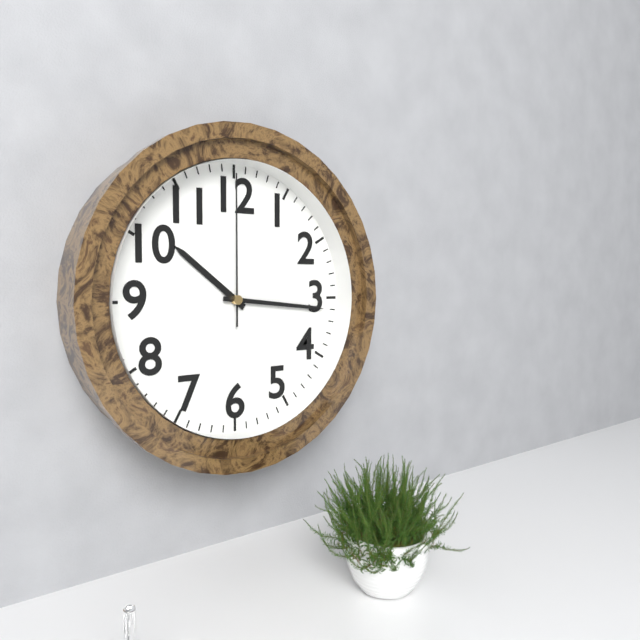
10:16:00
